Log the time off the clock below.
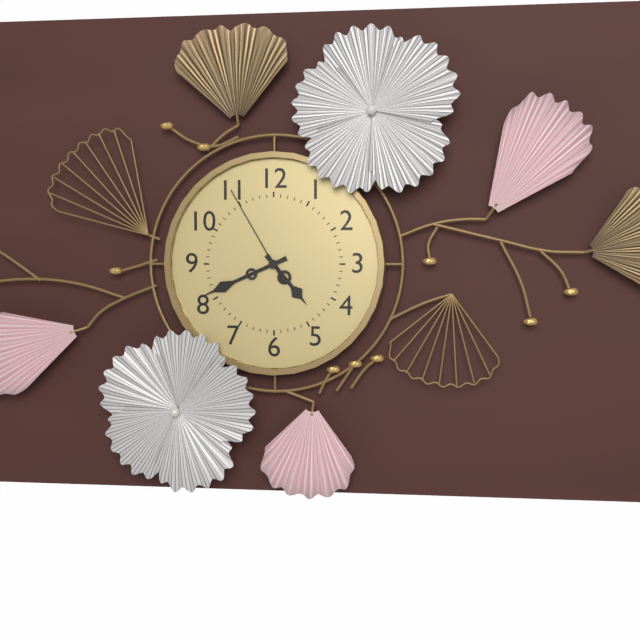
4:41:55
